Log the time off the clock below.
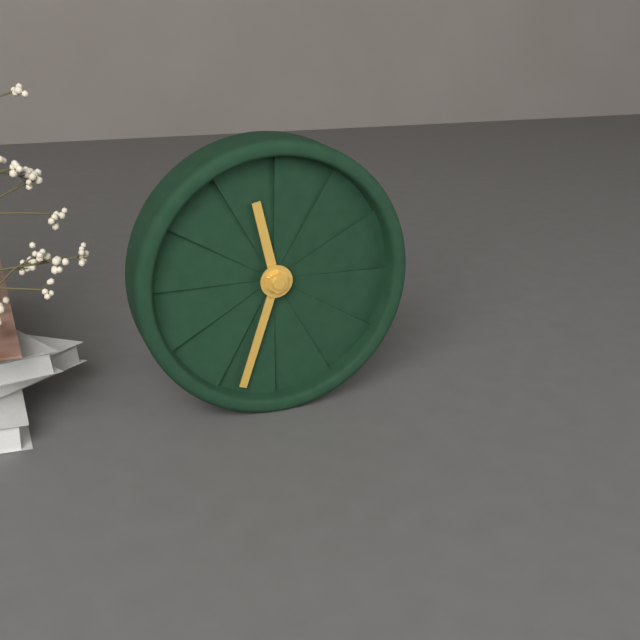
11:33
